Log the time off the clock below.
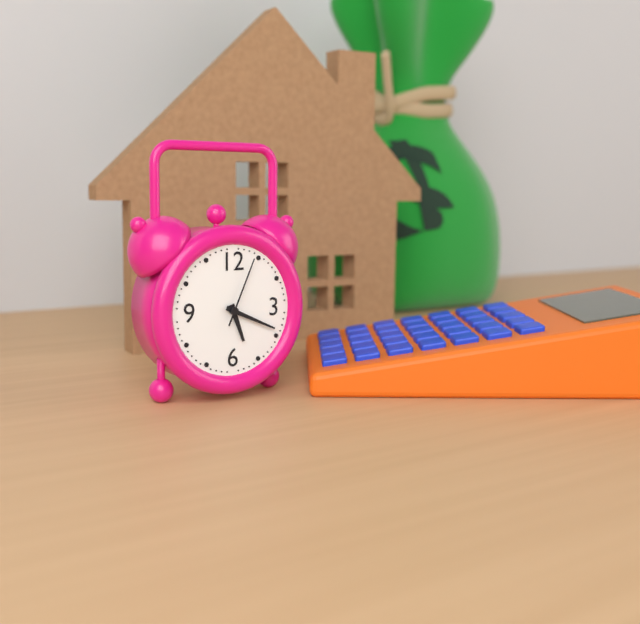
5:19:04
